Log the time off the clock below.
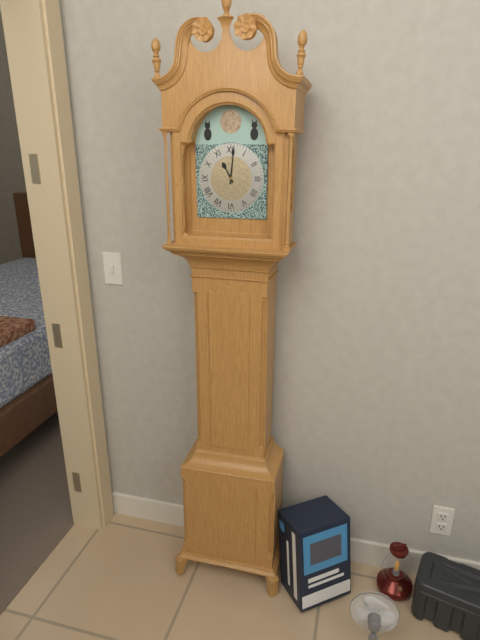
11:01
